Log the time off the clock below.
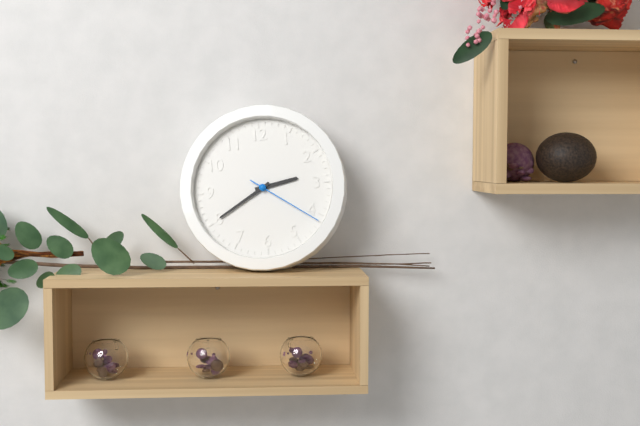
2:40:21
